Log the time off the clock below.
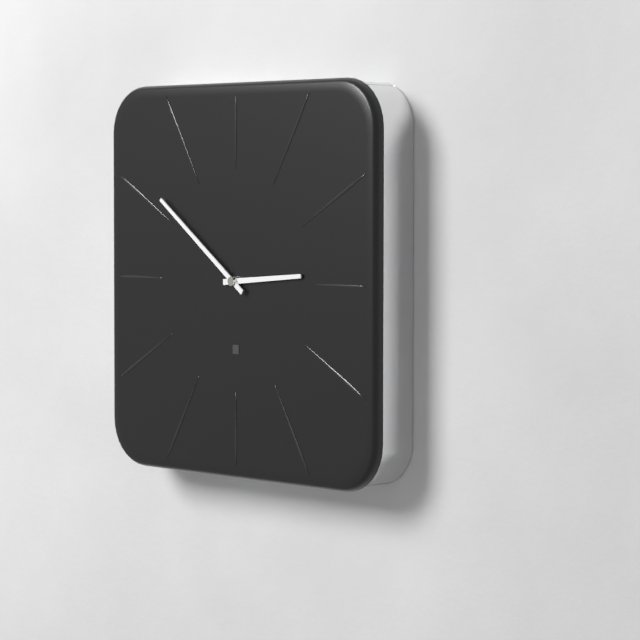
2:51
